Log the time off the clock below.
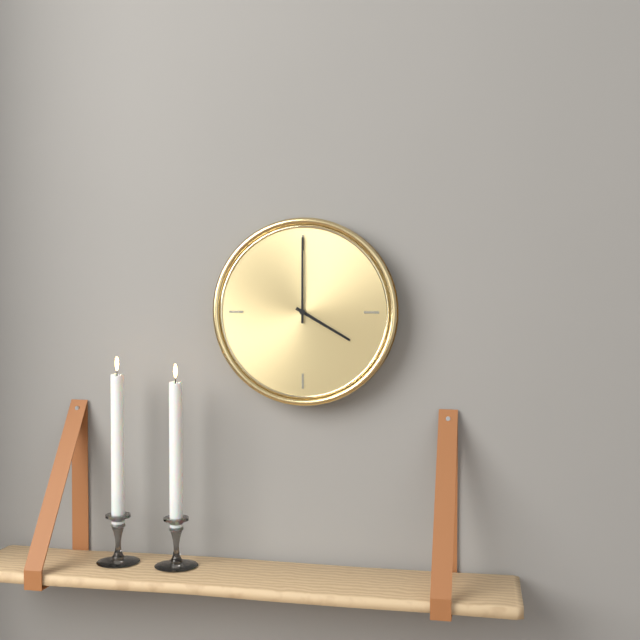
4:00
